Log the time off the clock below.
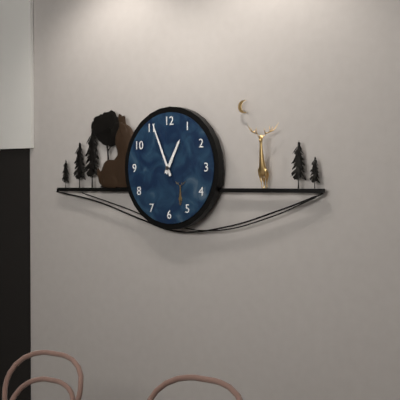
12:56
